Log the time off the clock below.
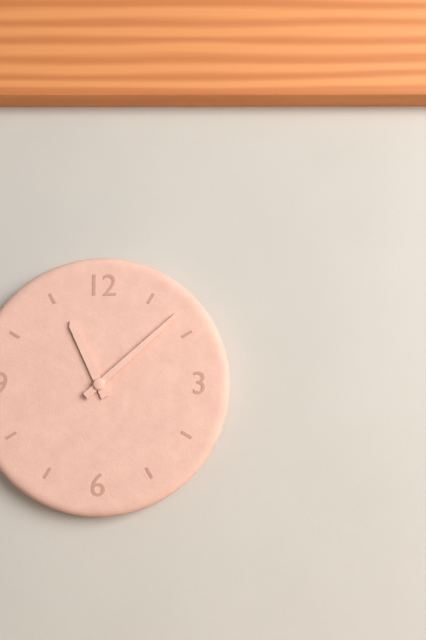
11:08
